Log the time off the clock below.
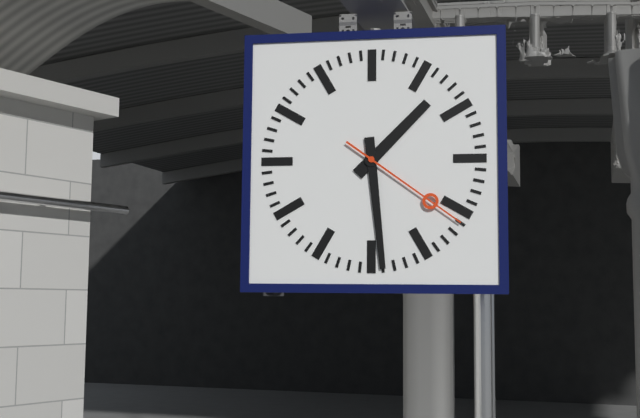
1:29:21
